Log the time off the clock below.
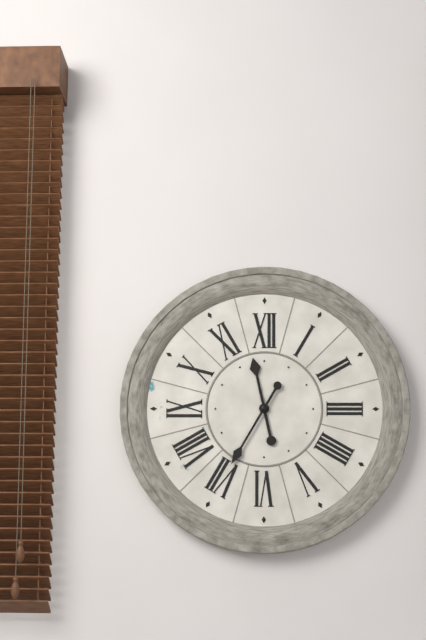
11:35
